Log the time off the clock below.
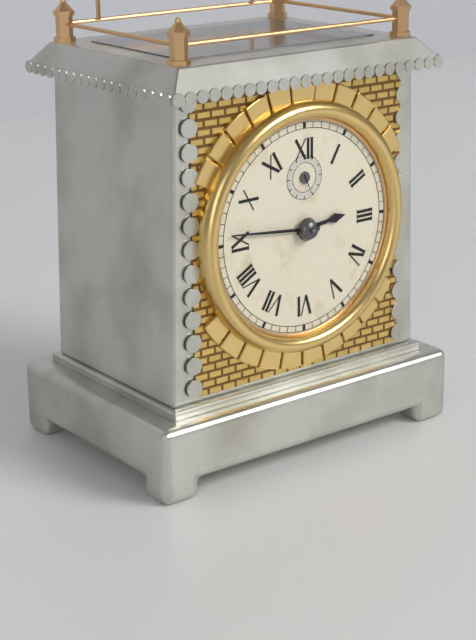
2:46
